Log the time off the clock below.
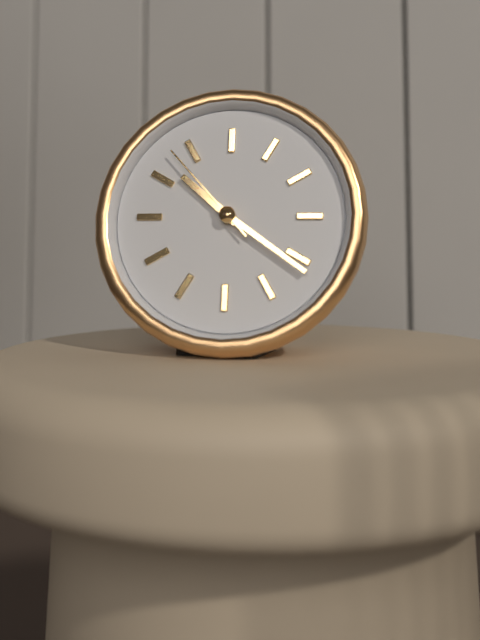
10:21:53
